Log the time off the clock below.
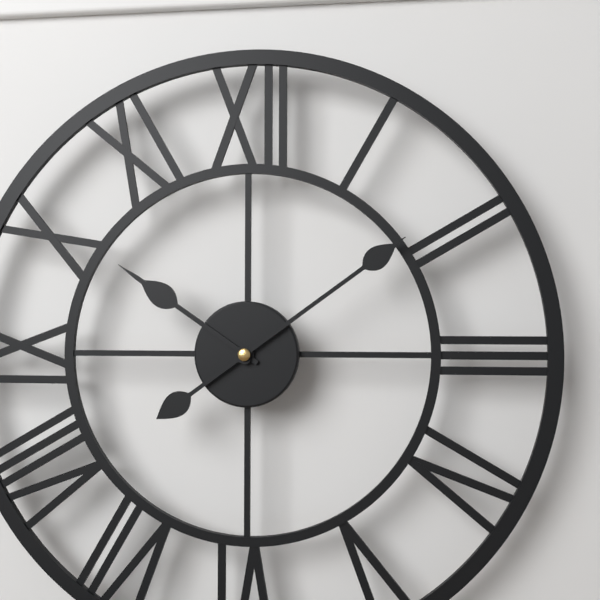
10:09
